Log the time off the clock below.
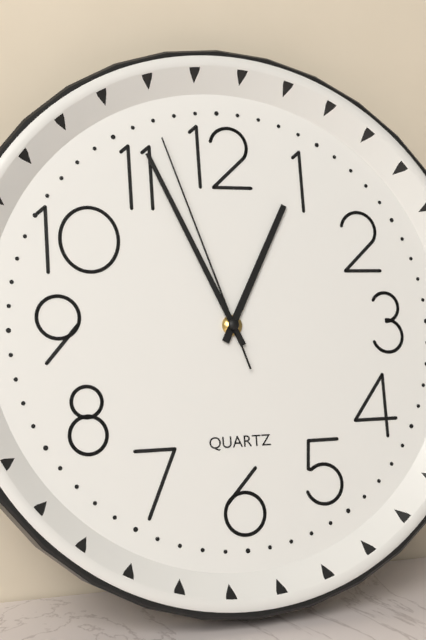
12:56:57
